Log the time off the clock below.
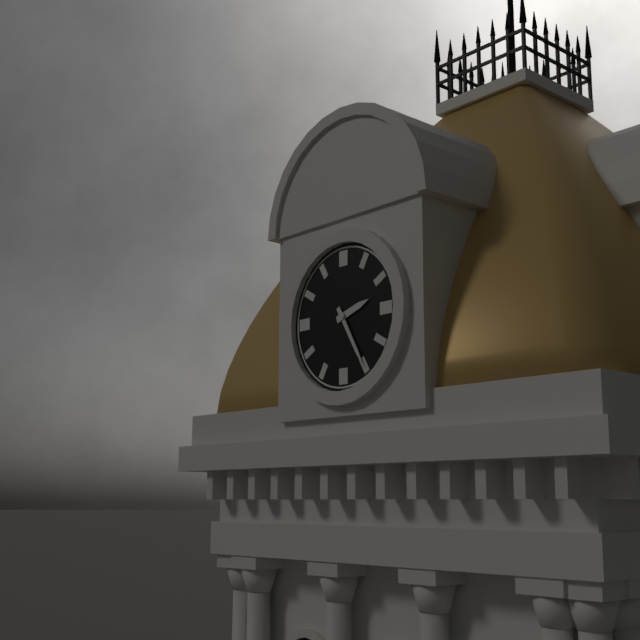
2:25
